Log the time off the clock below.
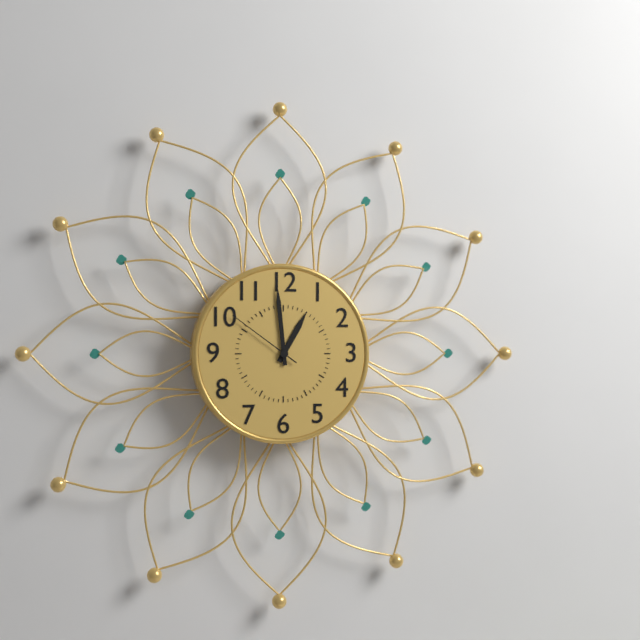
12:59:51
